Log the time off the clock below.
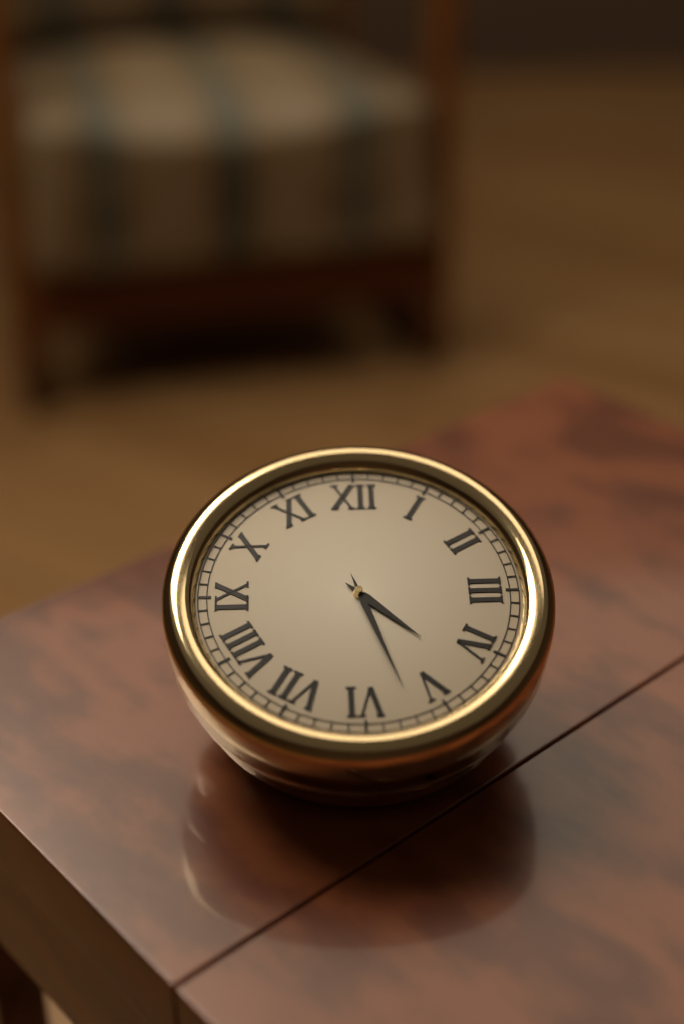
4:27
